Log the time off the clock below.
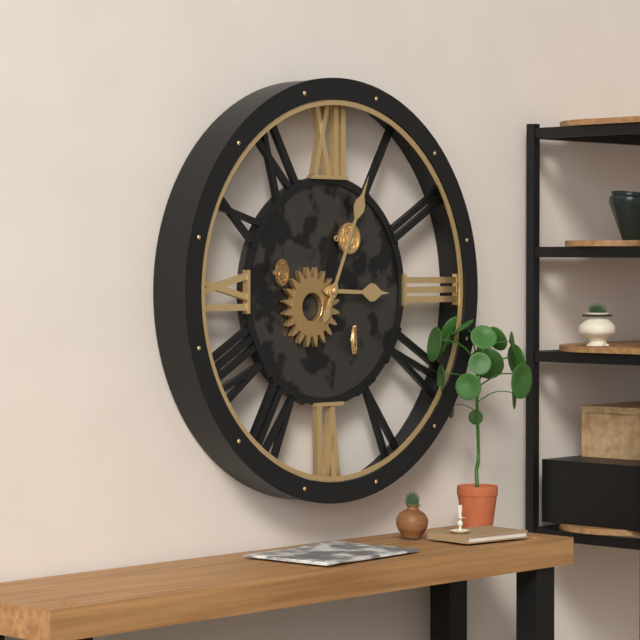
3:04
